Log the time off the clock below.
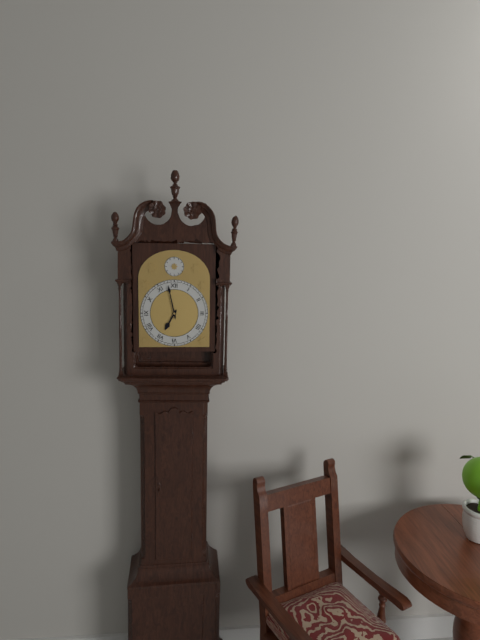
6:58
